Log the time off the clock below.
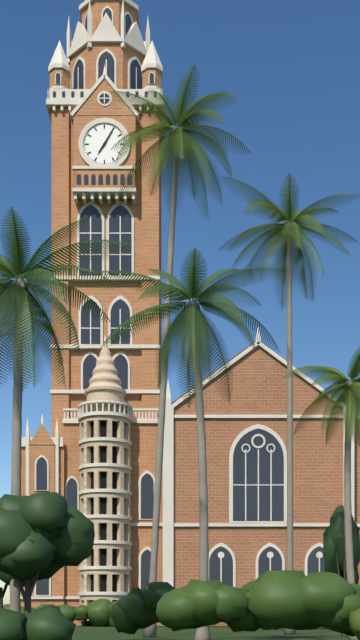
7:05
